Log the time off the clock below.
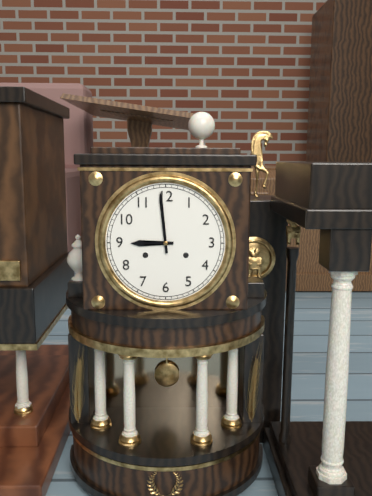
8:59
